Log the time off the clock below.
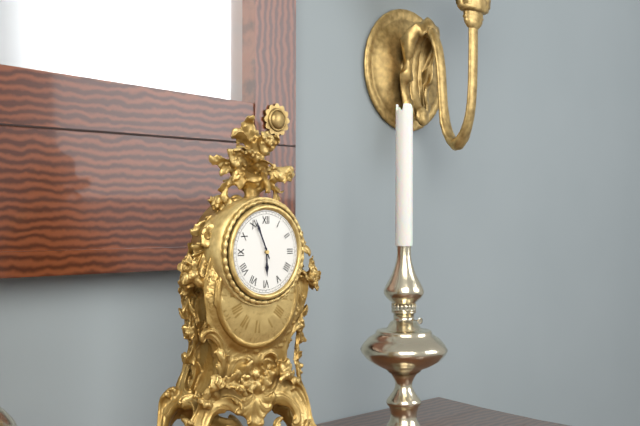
5:56
